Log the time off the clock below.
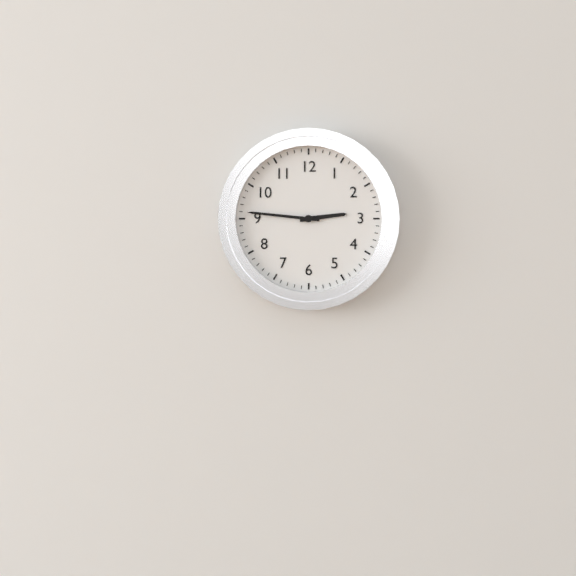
2:46
